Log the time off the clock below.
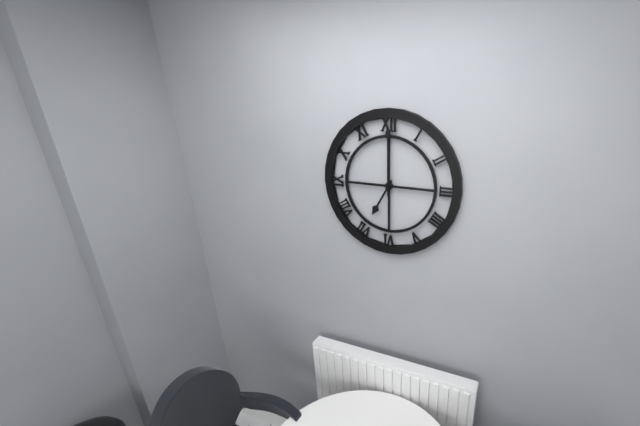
7:00
